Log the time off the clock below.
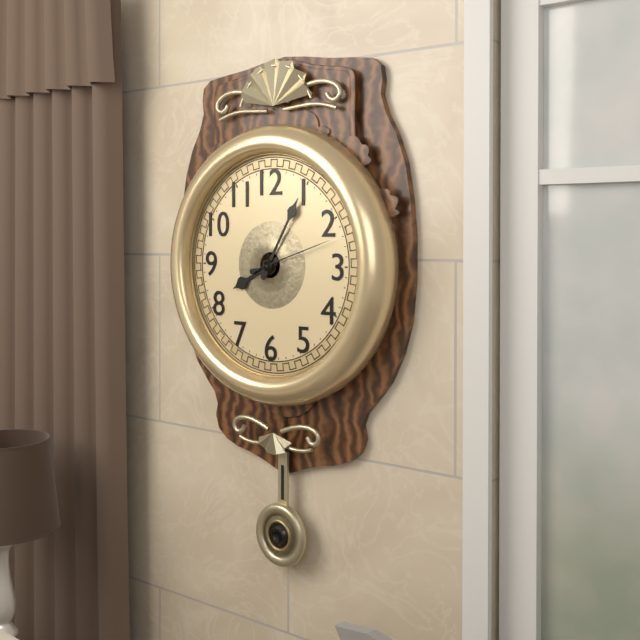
8:05:12
